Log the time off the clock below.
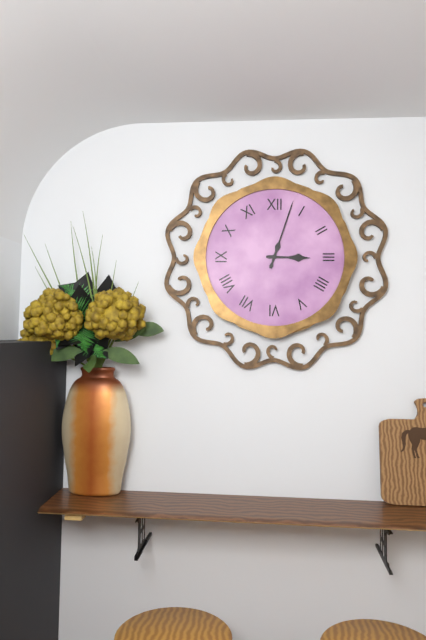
3:03
